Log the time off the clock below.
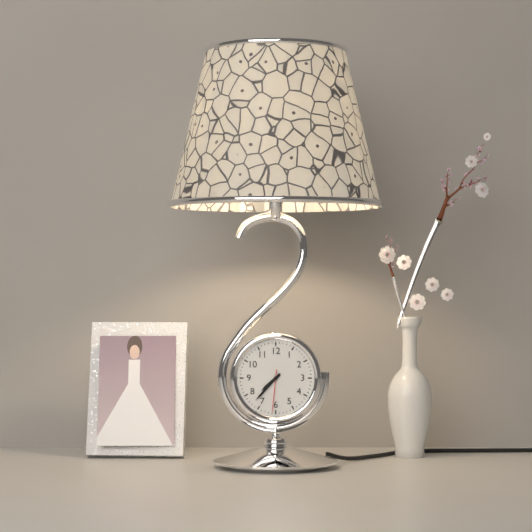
7:37
